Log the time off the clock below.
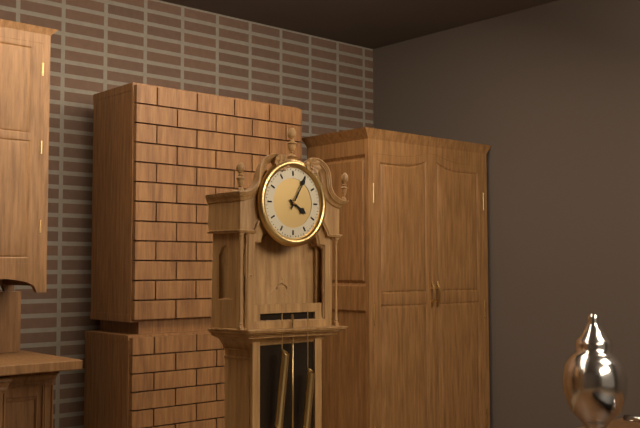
4:05
